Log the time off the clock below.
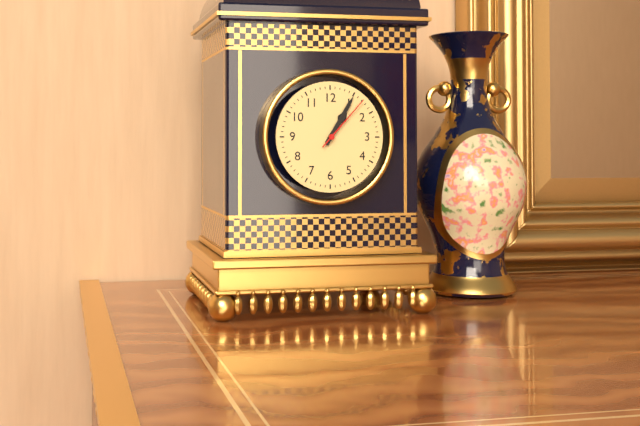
1:05:07
